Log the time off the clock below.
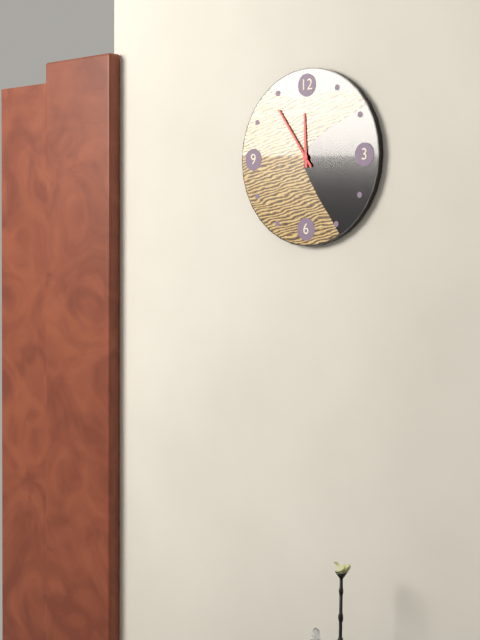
11:54
